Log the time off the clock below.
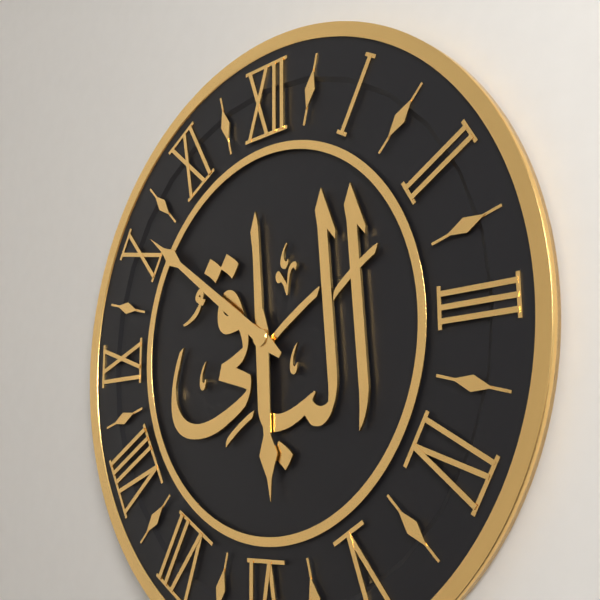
5:51
